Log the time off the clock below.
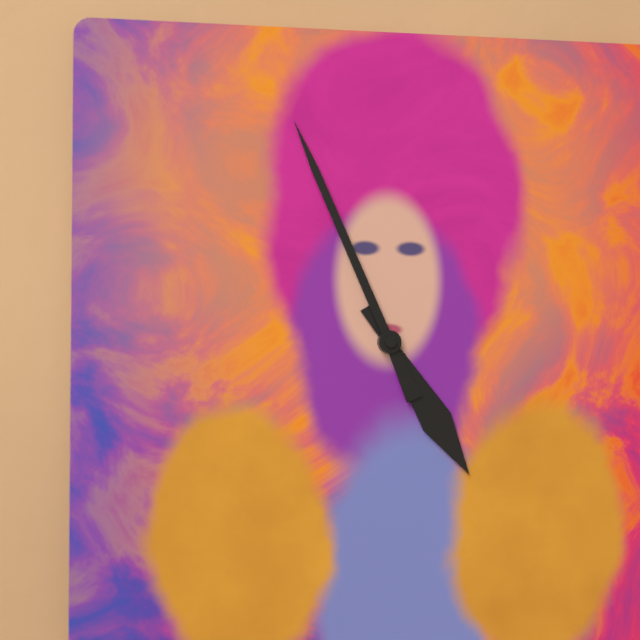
4:56
